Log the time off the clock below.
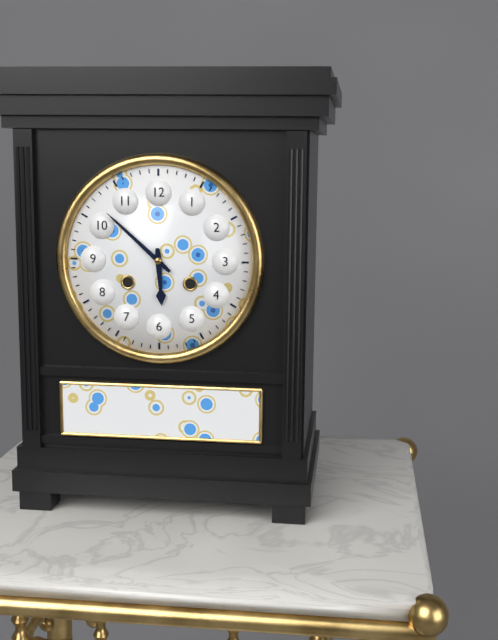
5:52
